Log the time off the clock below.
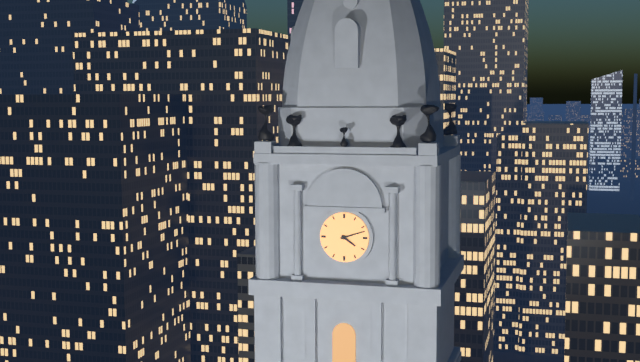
4:12
